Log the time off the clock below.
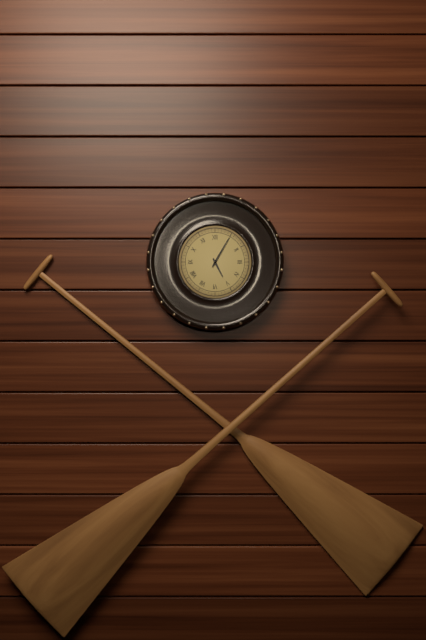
5:05
